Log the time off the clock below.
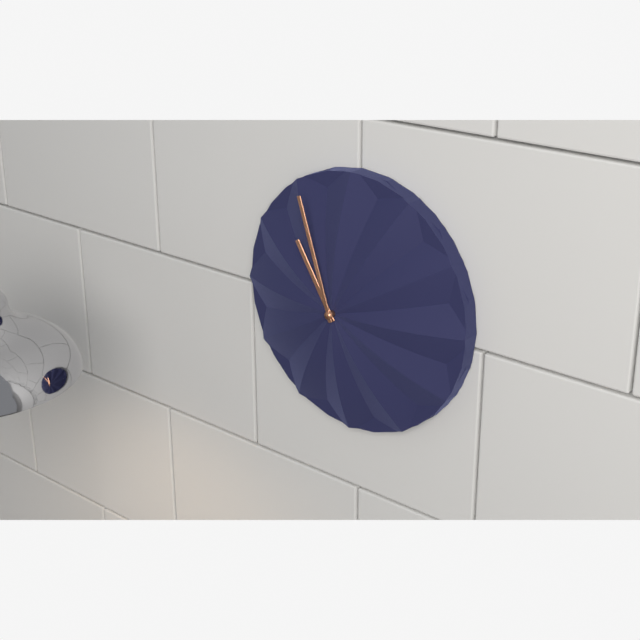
10:57
